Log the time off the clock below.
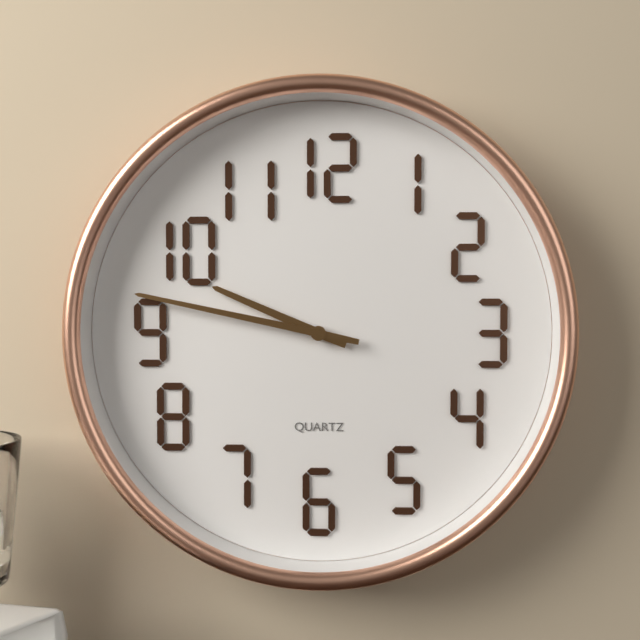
9:47
